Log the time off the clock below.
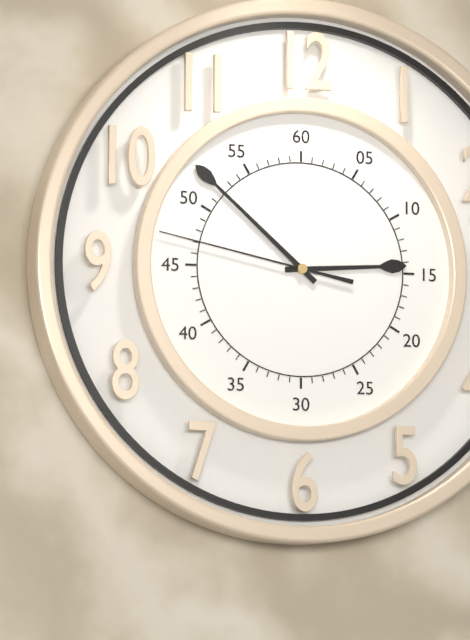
2:52:47
